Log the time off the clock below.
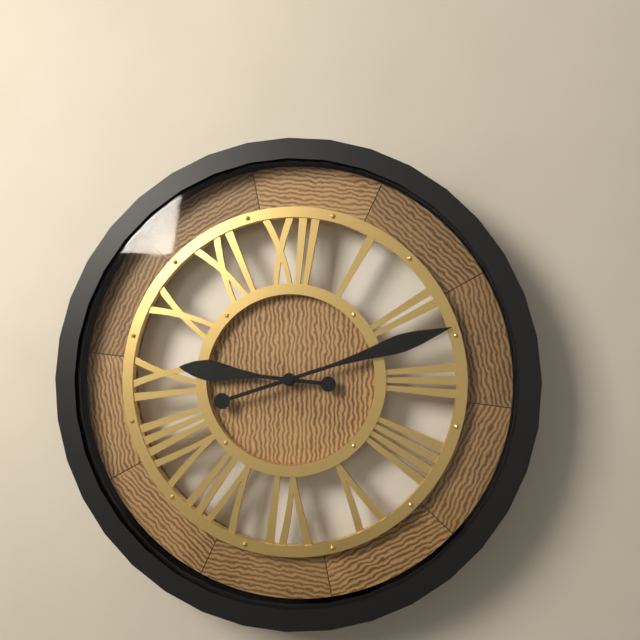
9:12
